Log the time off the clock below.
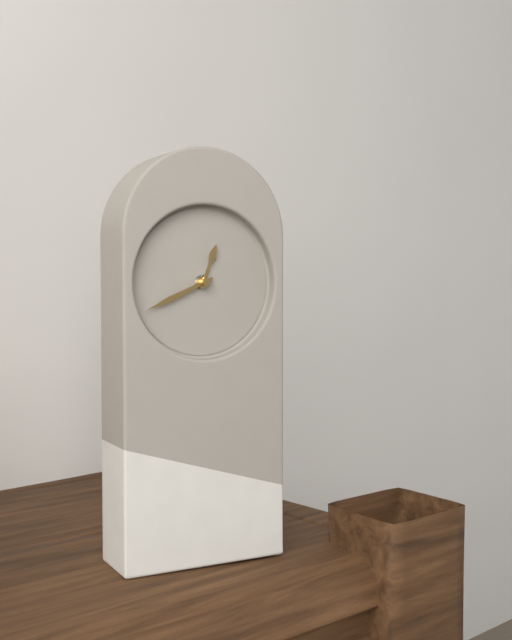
12:41
